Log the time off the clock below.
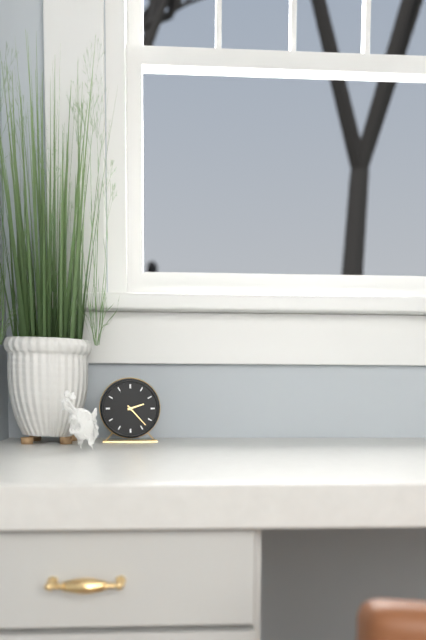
2:23
